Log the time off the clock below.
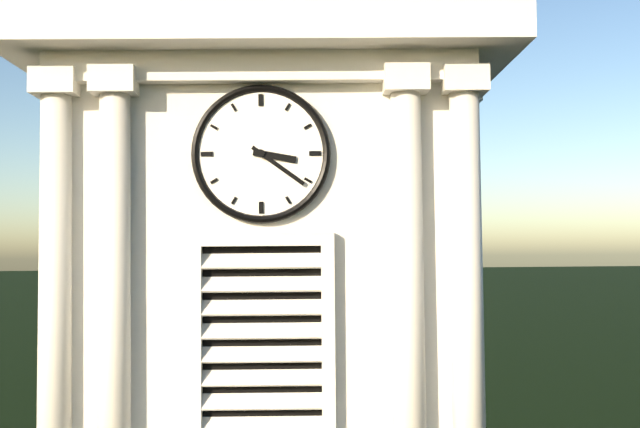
3:21
